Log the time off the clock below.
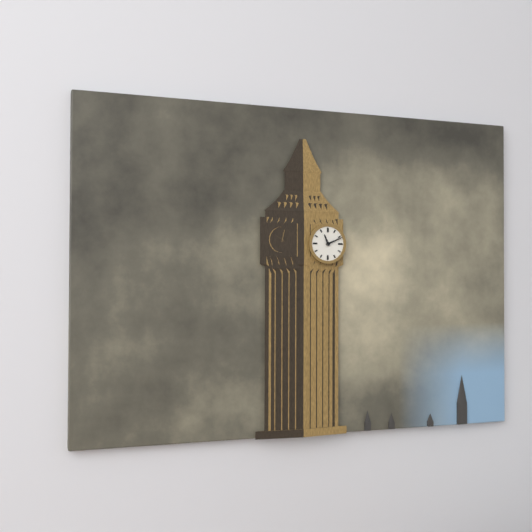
11:11
